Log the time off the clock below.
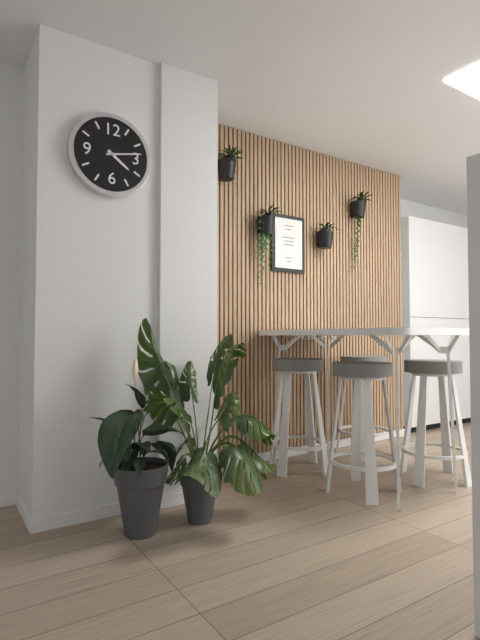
4:13
